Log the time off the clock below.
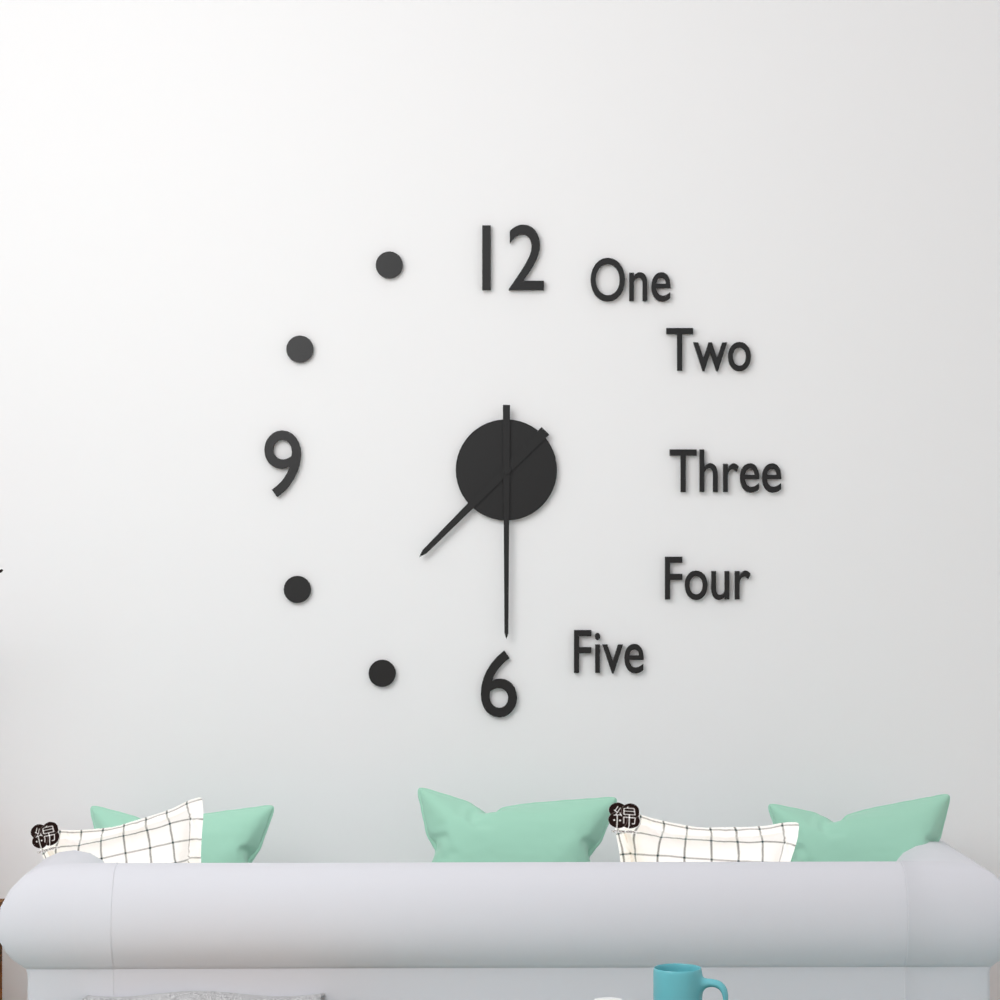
7:30
